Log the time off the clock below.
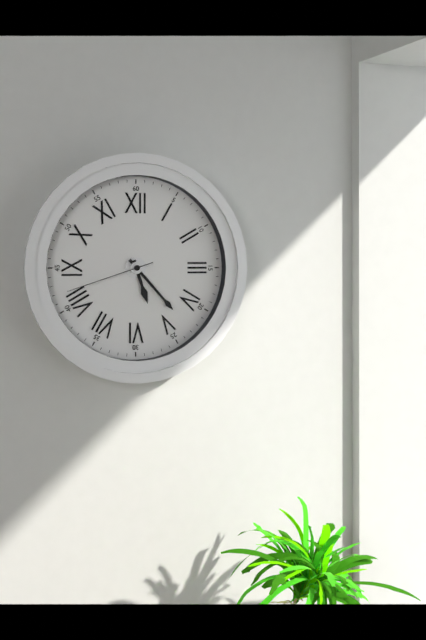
5:23:42
